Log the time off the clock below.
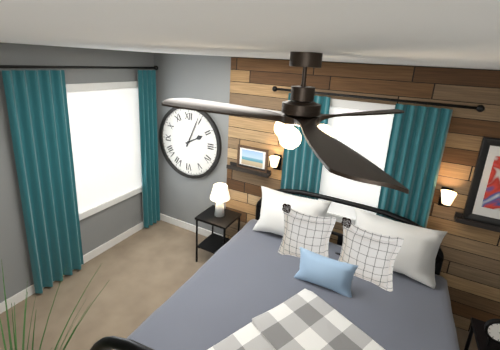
2:04
